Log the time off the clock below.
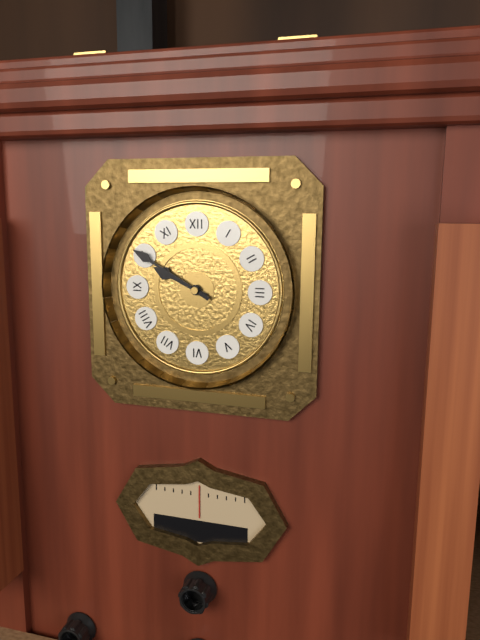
9:50
